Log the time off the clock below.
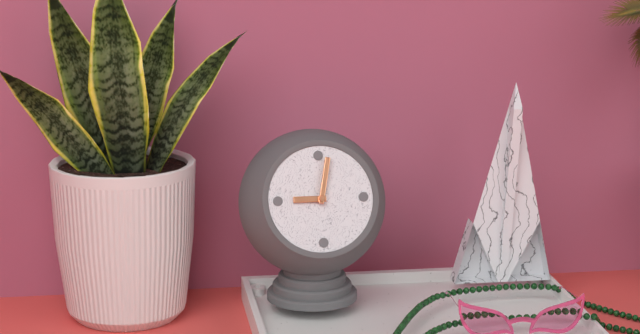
9:02
